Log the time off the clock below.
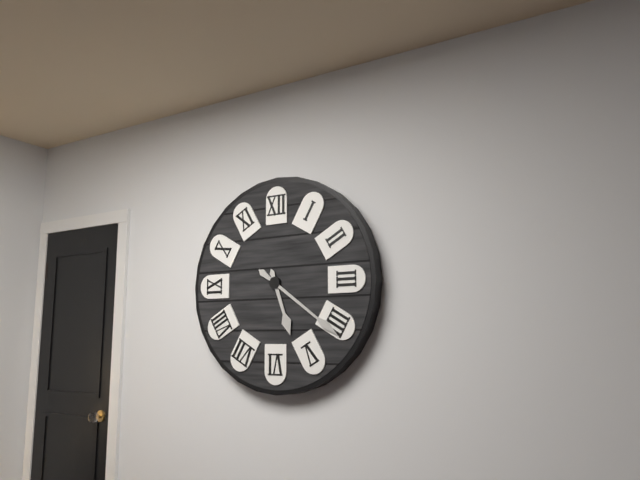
5:21
